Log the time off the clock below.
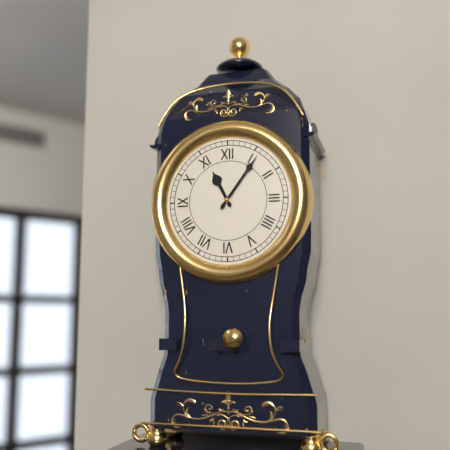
11:06
